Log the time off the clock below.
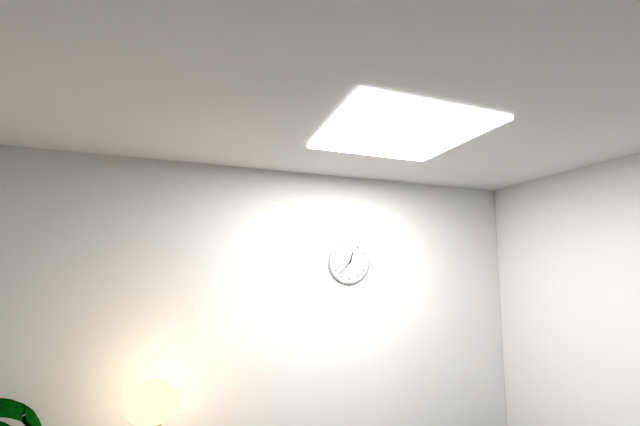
12:37
